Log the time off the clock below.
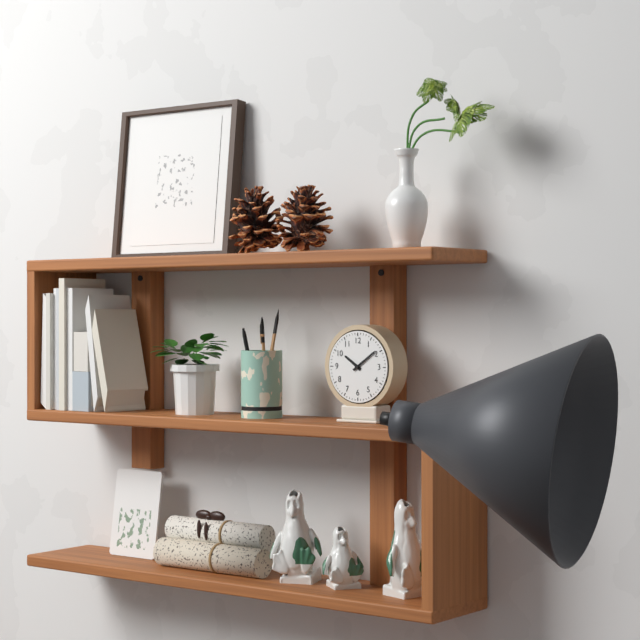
10:09
